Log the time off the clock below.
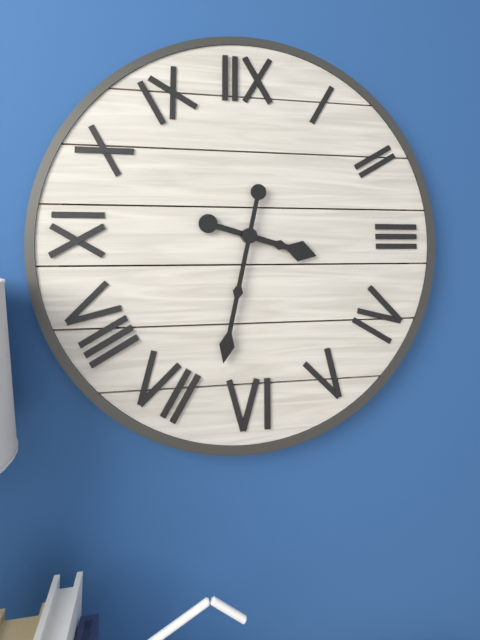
3:32
